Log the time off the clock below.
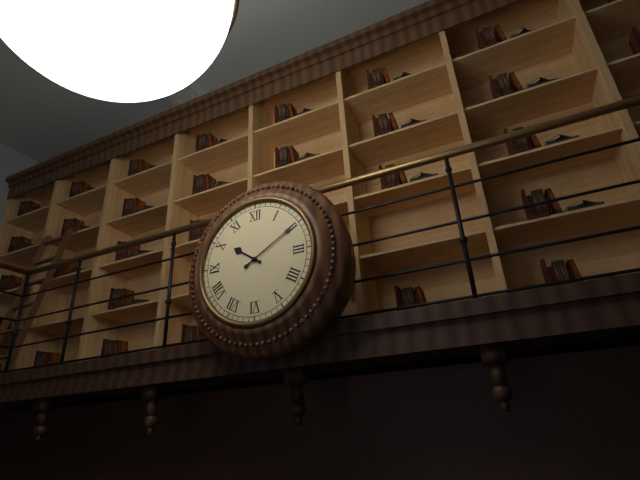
10:10
